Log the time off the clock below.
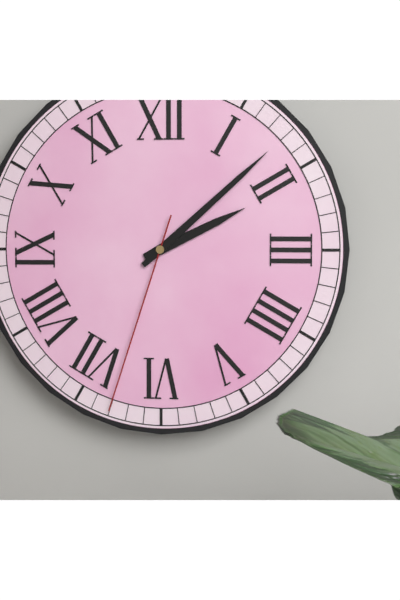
2:08:33
